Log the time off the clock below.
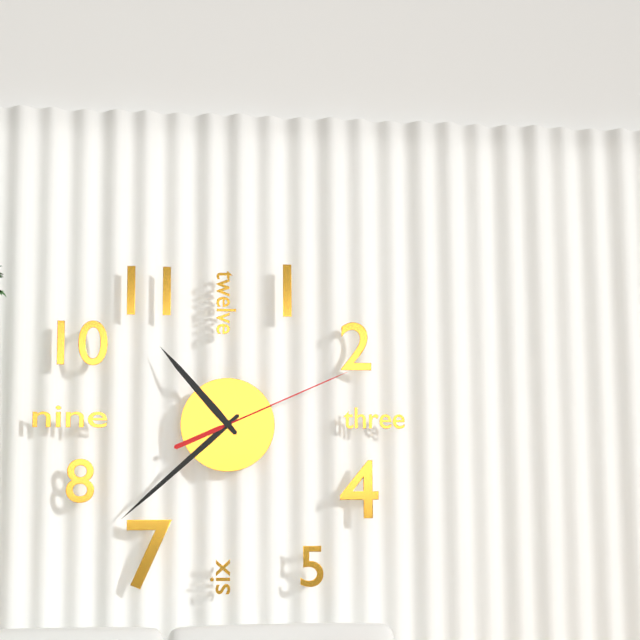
10:38:11
